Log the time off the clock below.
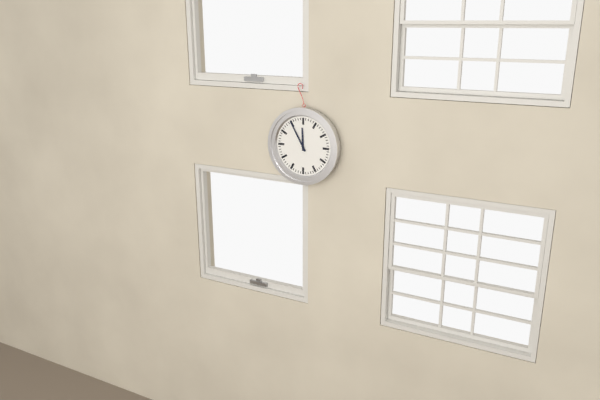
11:55
